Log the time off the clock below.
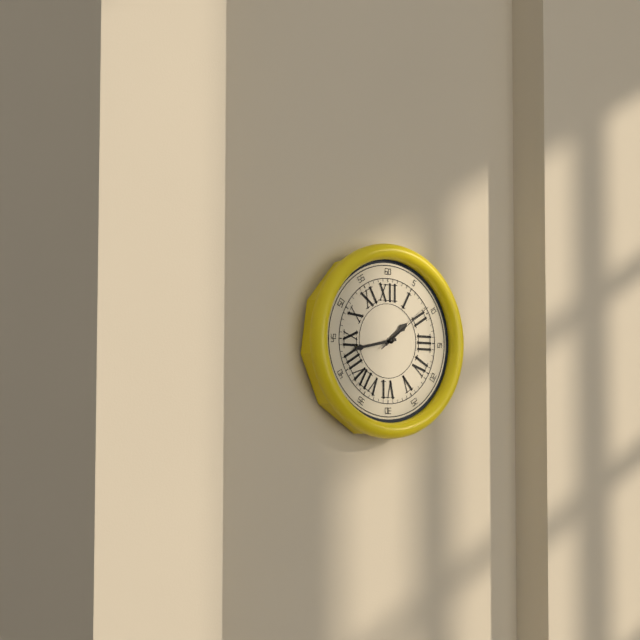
1:43:09
